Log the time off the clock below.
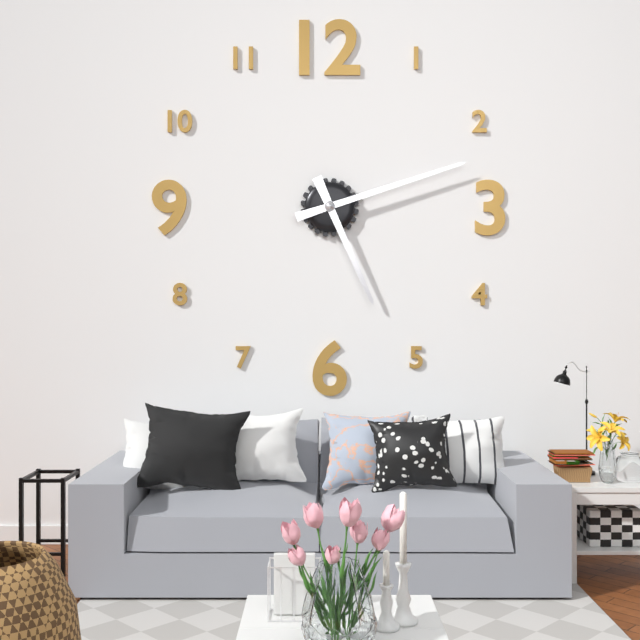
5:12
